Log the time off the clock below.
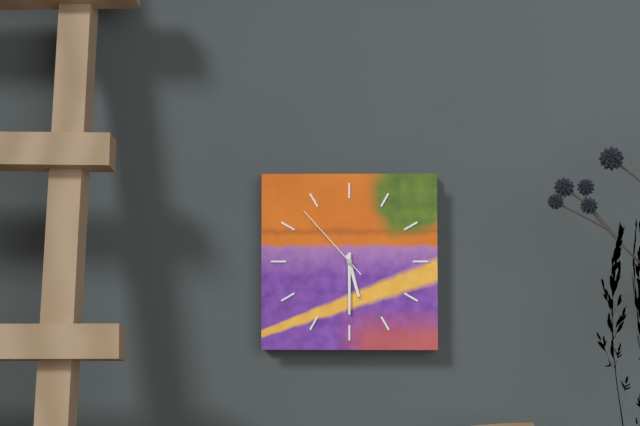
5:30:53
